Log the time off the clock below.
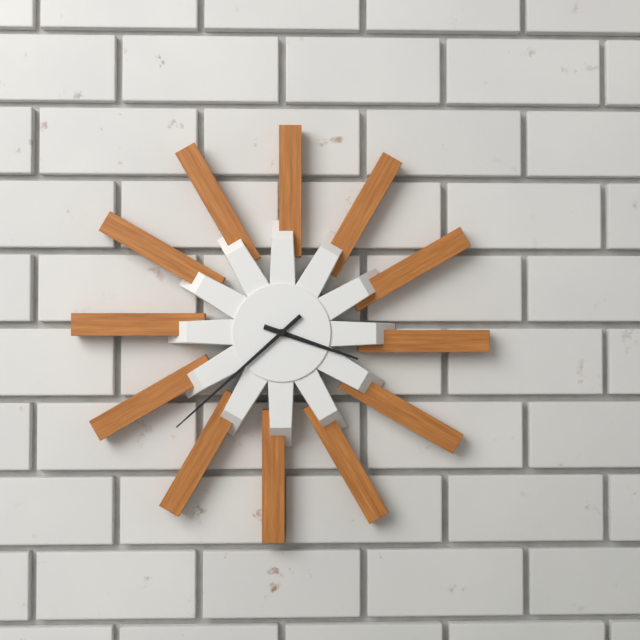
3:38
